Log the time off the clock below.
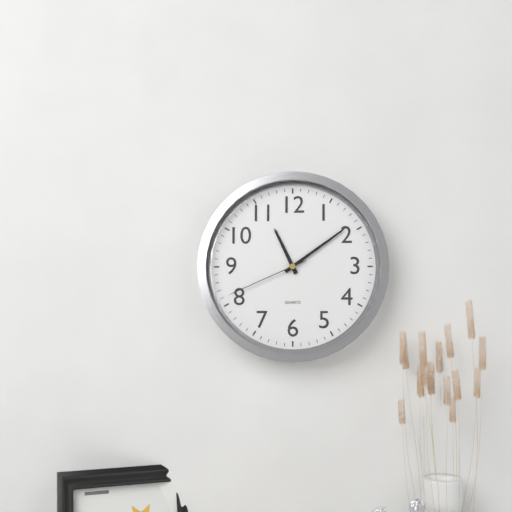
11:09:41
